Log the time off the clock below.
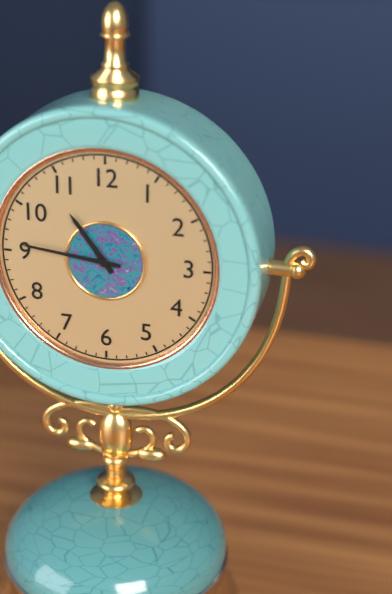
10:46
